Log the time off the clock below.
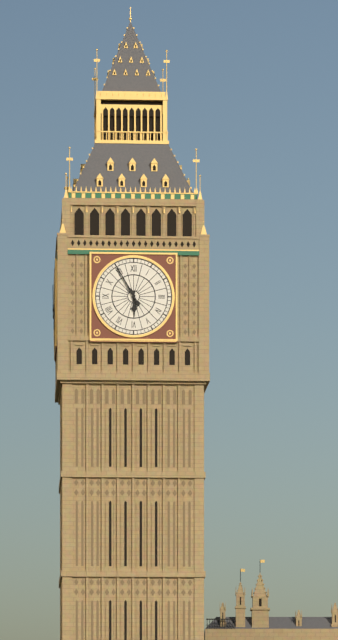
5:55
